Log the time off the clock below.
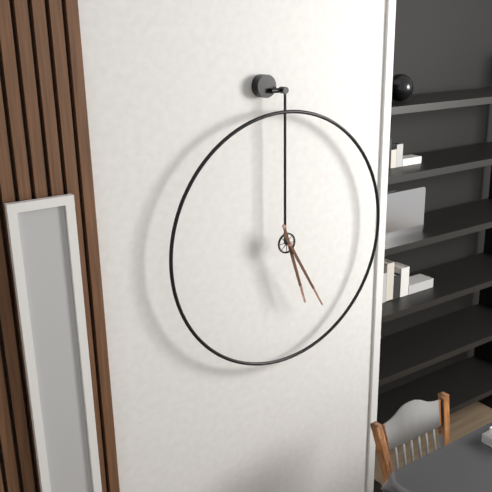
5:25
